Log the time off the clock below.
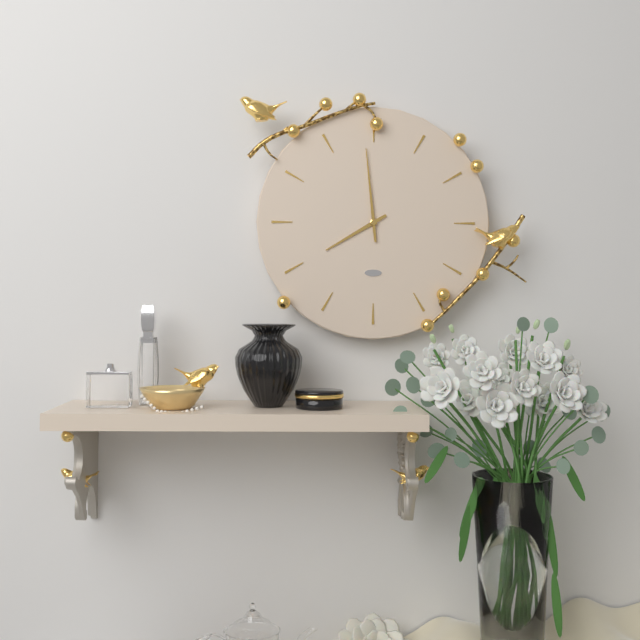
7:59
